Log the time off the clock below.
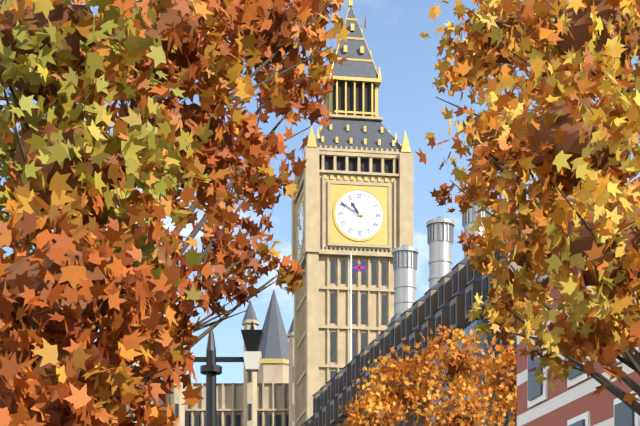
10:50
